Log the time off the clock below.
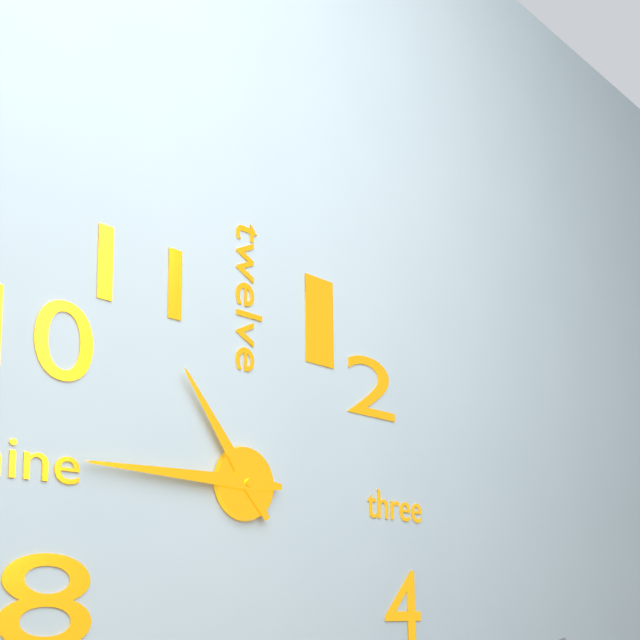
10:45
